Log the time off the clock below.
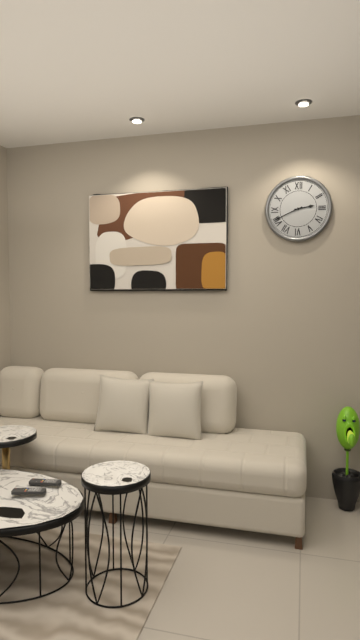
2:41
